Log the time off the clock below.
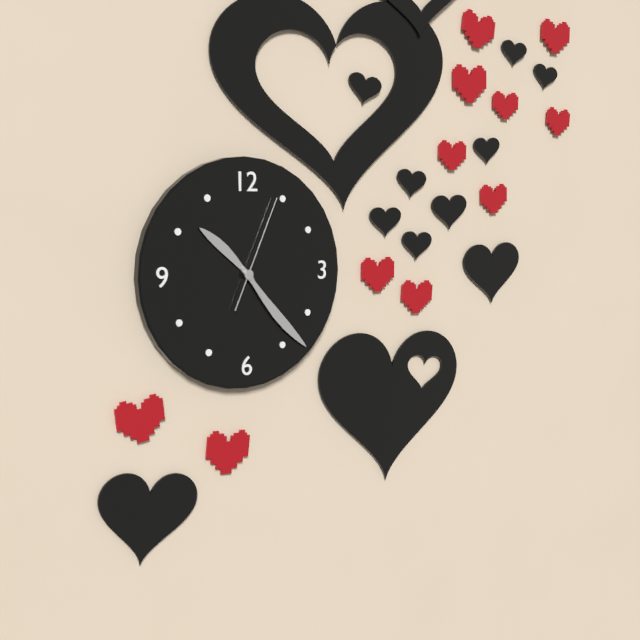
10:23:04
